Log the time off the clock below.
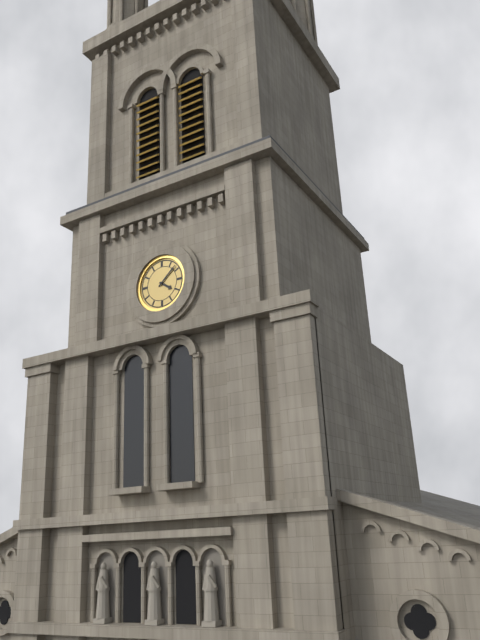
4:08
